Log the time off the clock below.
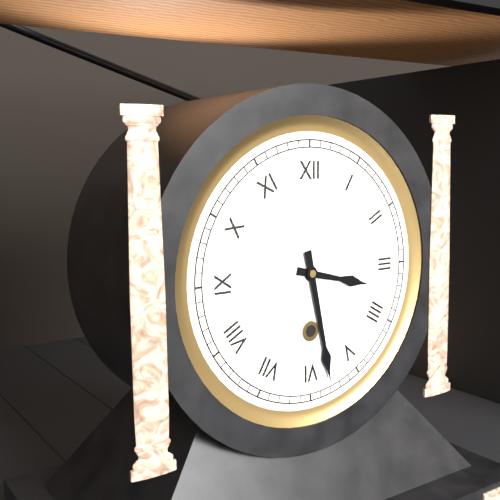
3:28
